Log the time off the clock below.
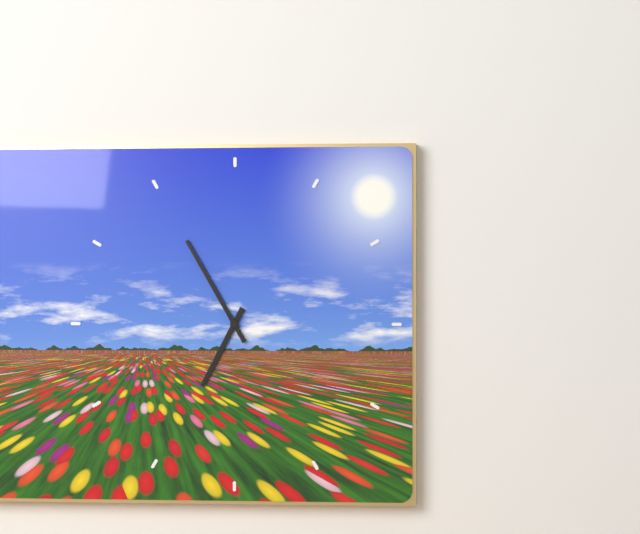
6:55
